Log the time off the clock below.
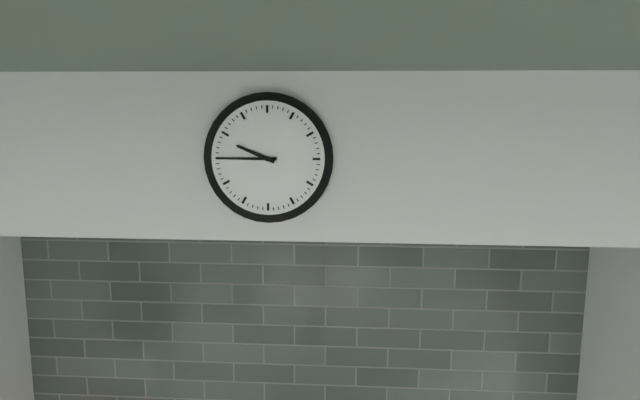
9:45
